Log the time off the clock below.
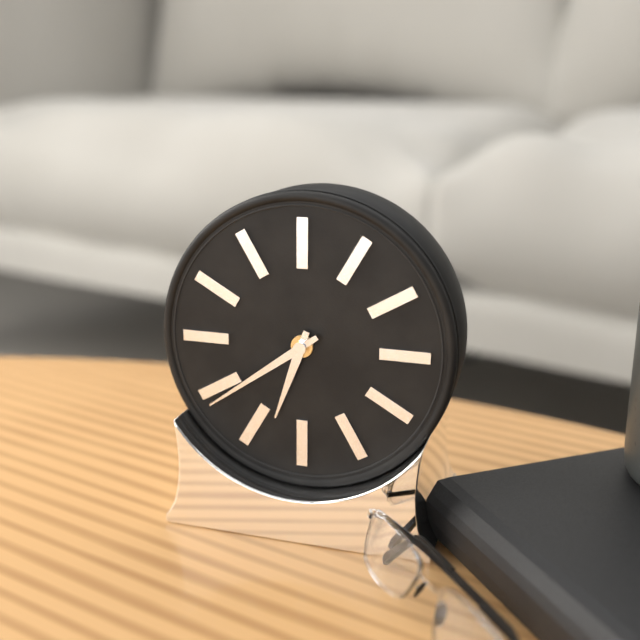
6:39
